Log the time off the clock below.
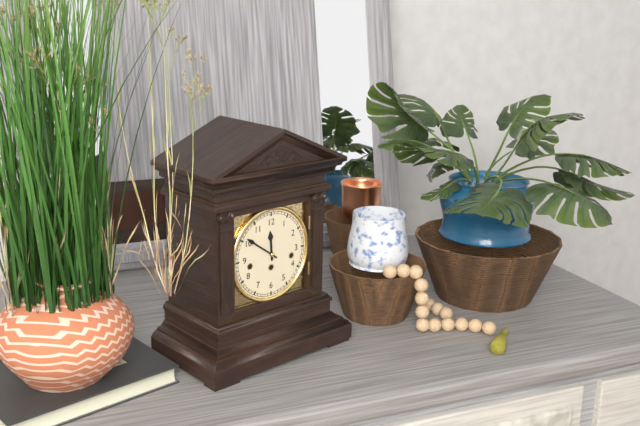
11:51
